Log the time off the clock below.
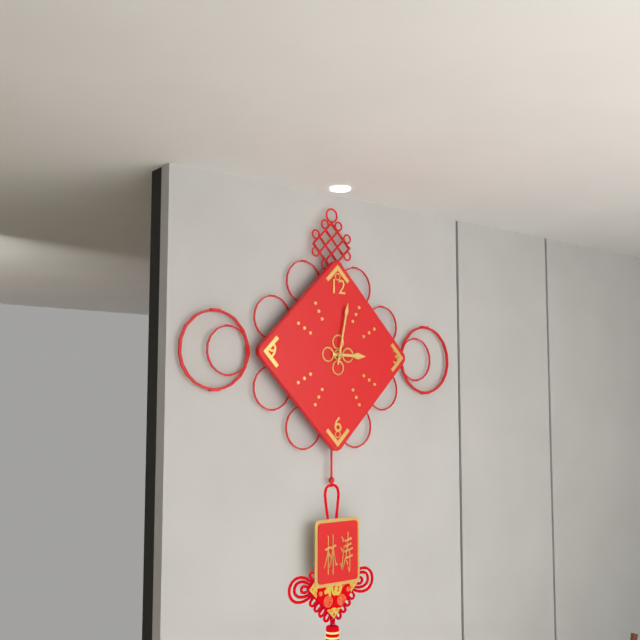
3:02
